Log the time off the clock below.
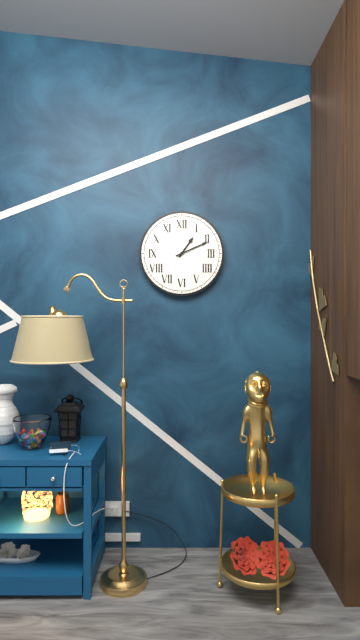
1:11
